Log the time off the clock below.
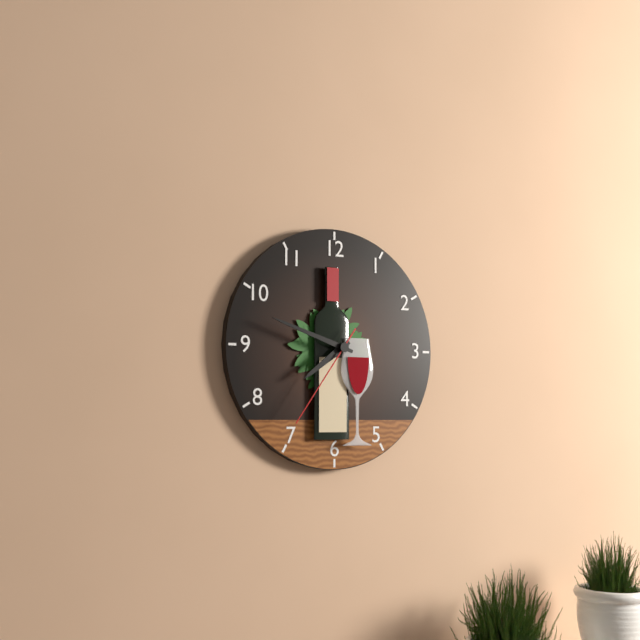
7:48:36
